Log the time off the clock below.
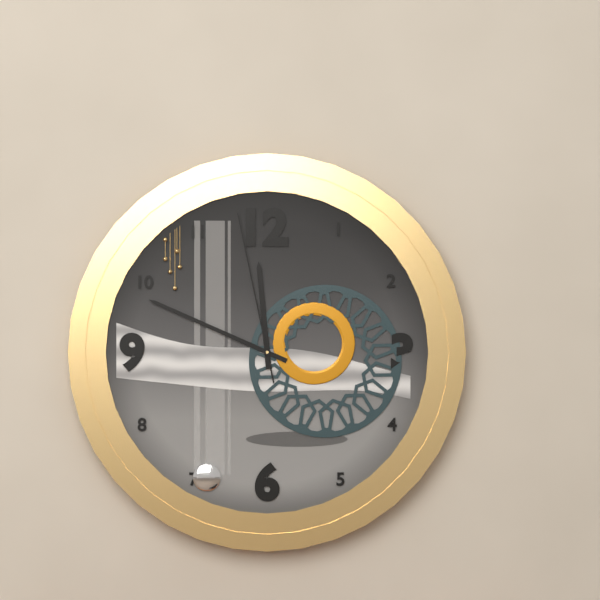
11:49:58
